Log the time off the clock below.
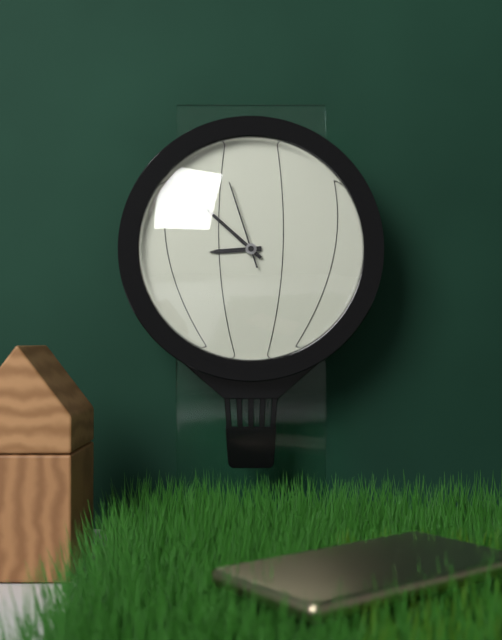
8:52:57
